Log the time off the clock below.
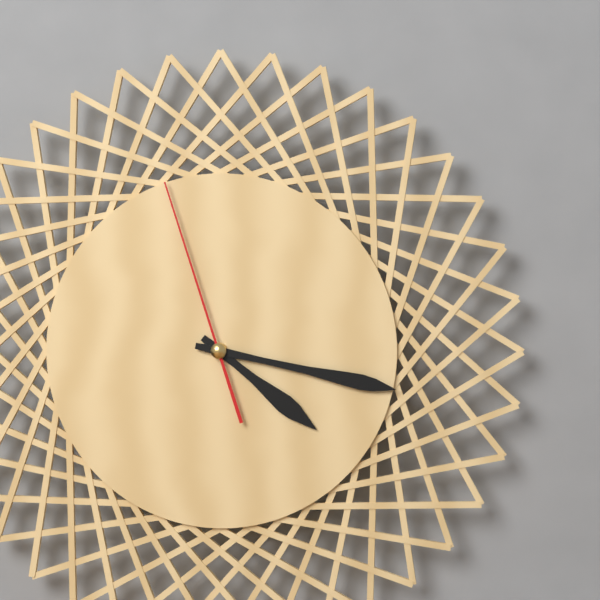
4:17:57
